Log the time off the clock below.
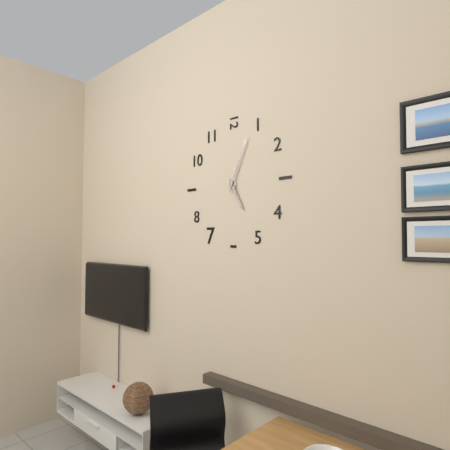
5:04
